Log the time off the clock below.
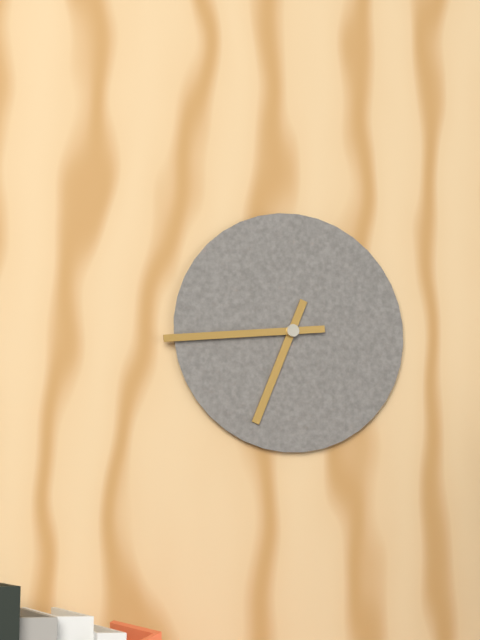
6:44
